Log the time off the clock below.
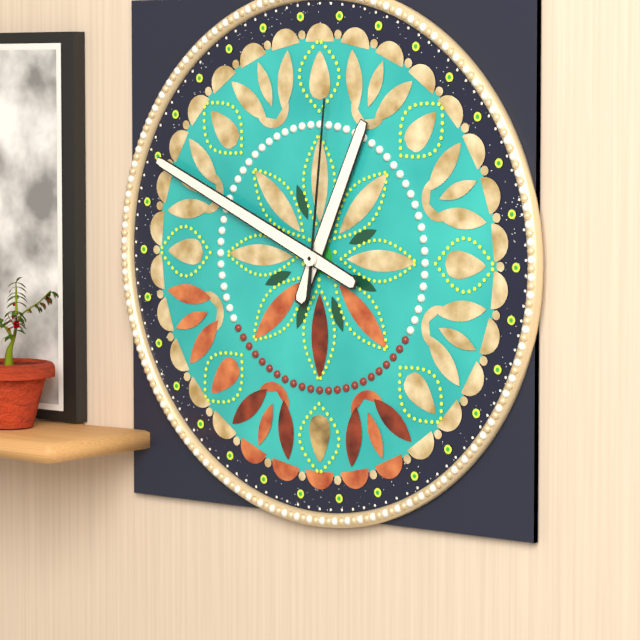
12:49:01
